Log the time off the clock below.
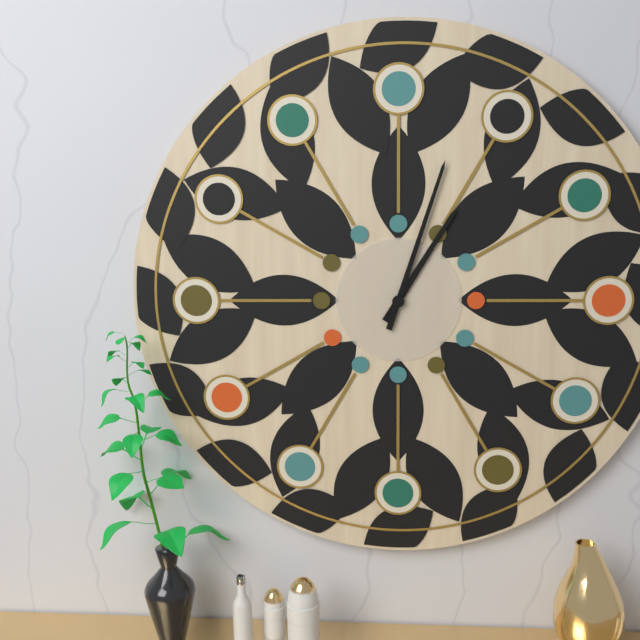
1:03
